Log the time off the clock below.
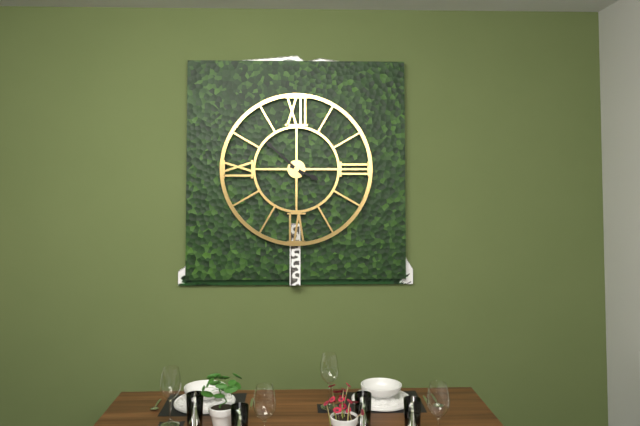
3:52
